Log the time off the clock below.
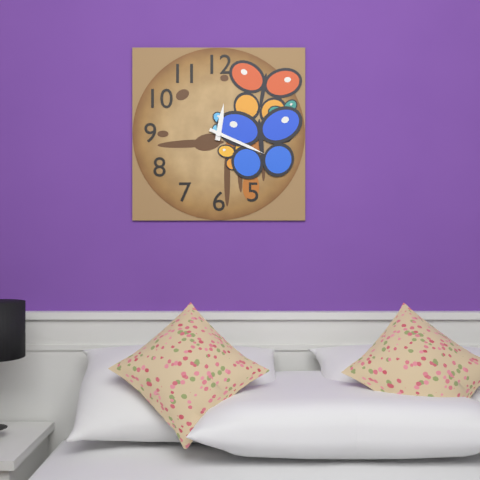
12:19
